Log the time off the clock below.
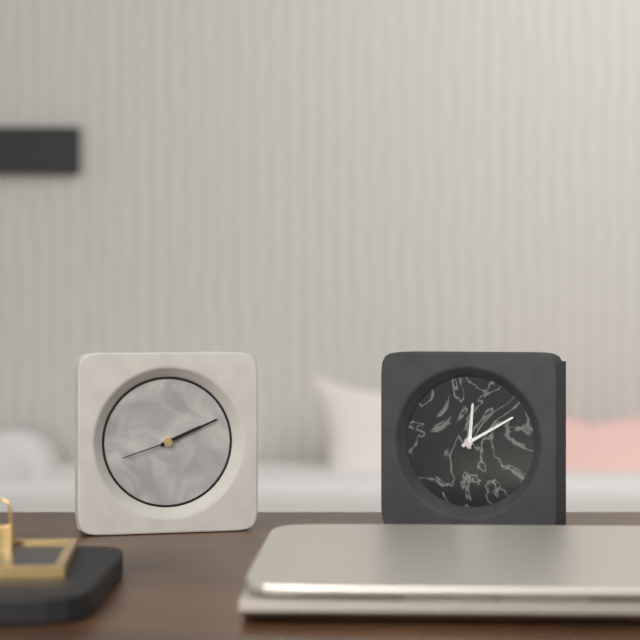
2:11:42
